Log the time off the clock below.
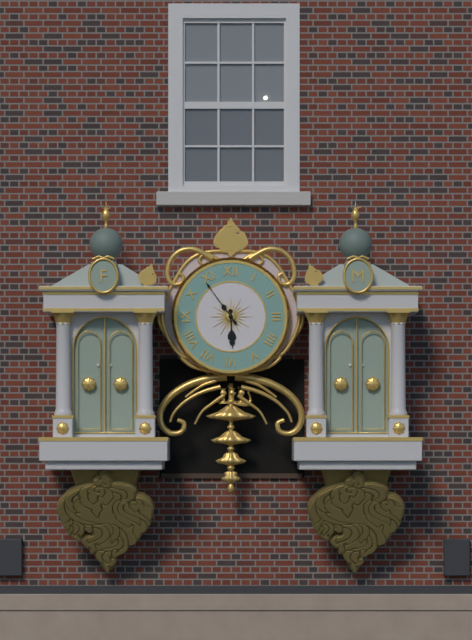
5:54
